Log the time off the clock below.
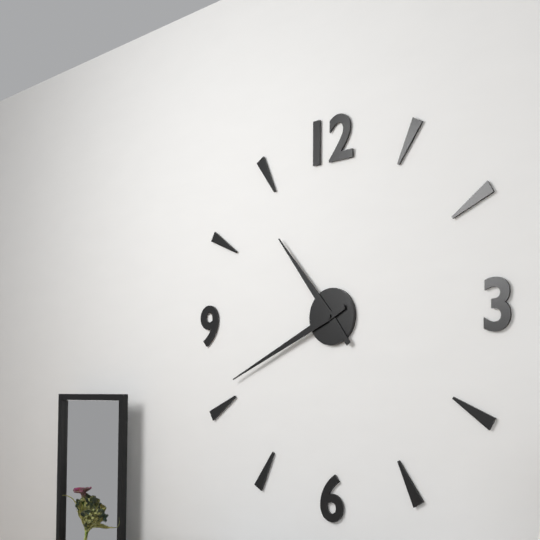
10:41
